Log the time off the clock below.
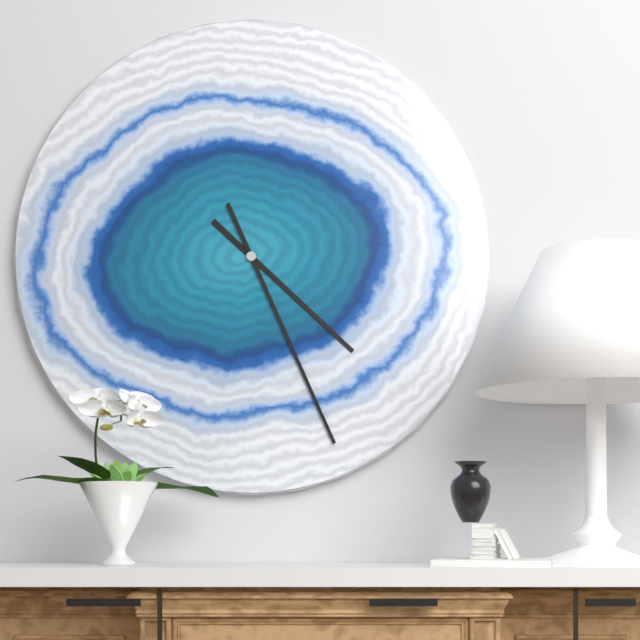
4:26
